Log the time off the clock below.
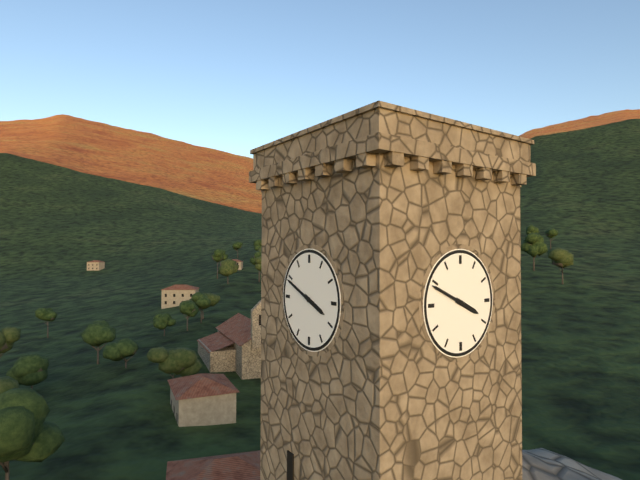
3:49
